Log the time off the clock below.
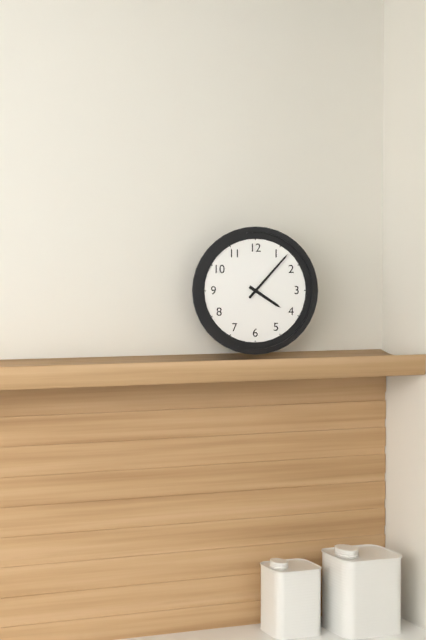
4:07
